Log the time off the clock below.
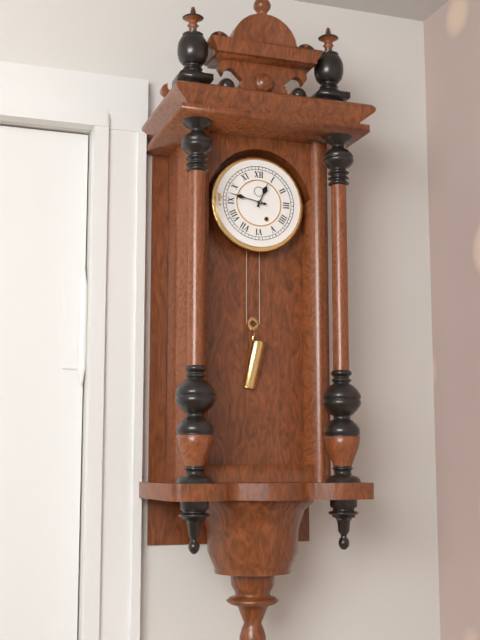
12:47
